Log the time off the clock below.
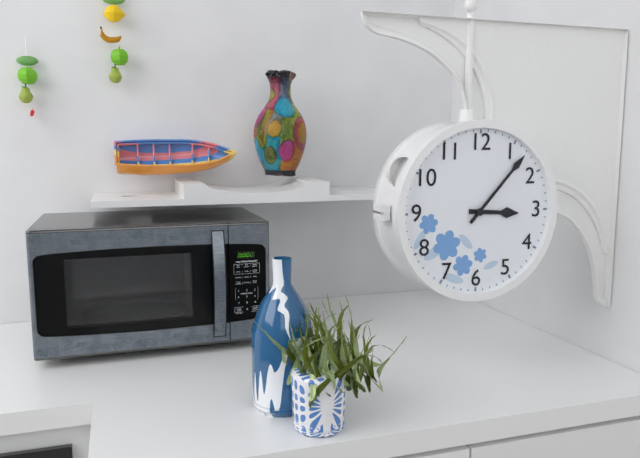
3:07
